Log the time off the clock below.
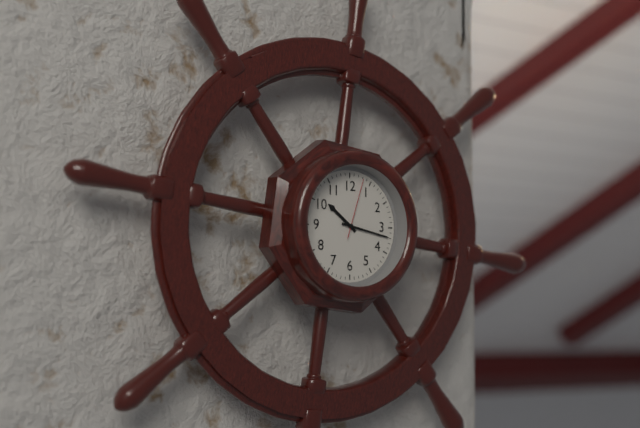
10:17:03
